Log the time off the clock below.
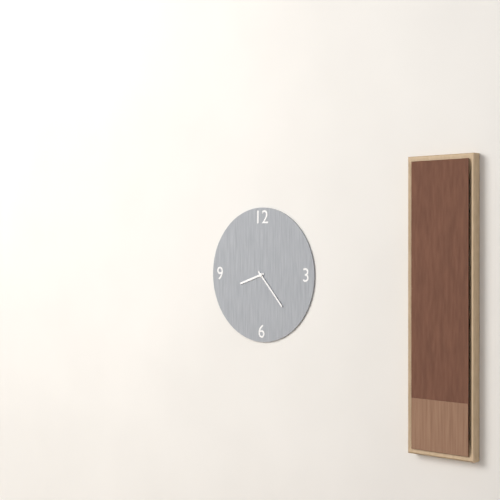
8:23
